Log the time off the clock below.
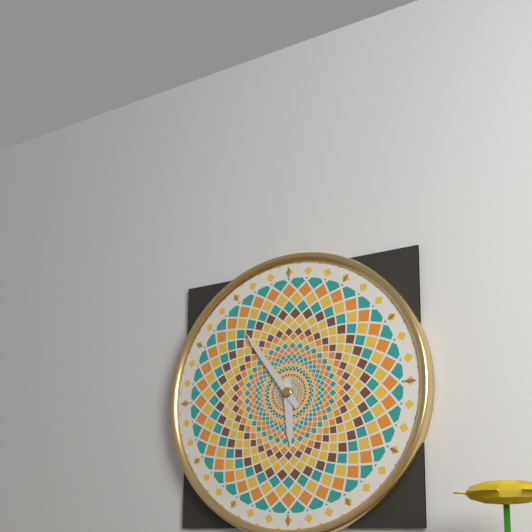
5:54
